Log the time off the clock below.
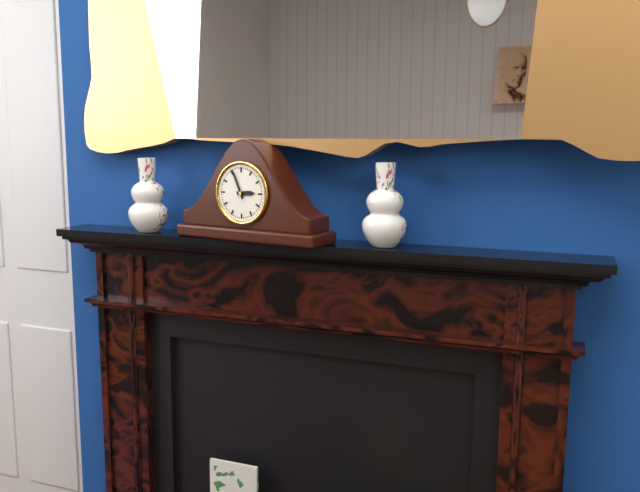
2:56
